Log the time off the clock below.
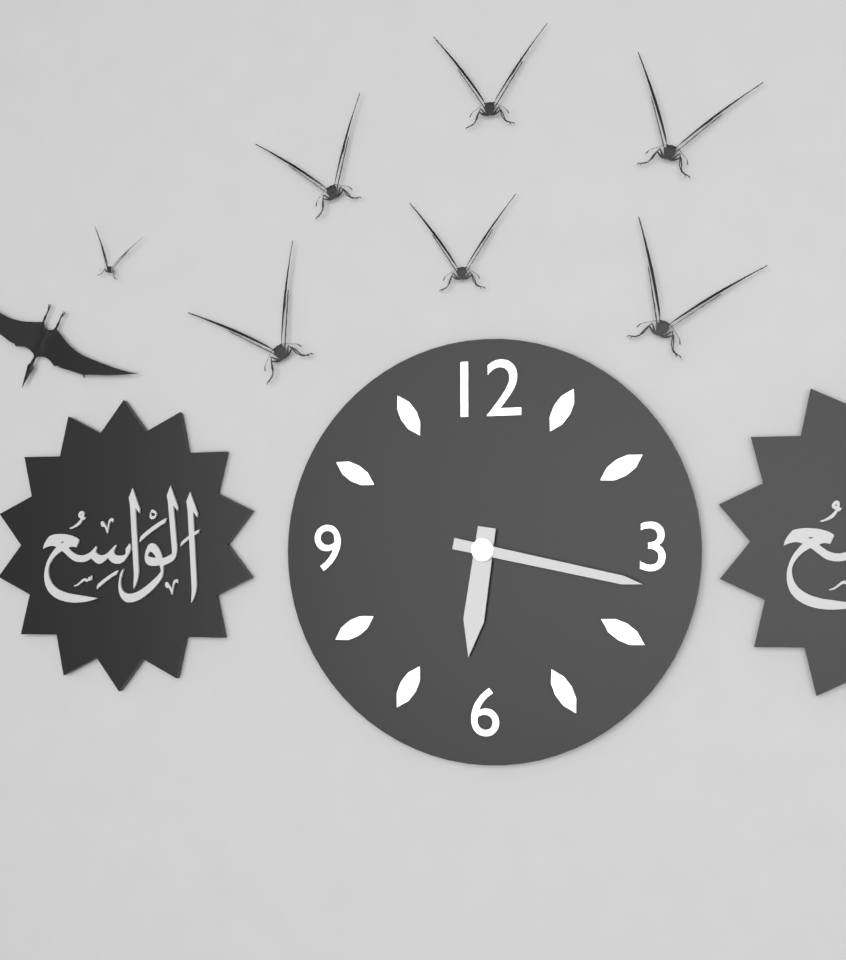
6:17
